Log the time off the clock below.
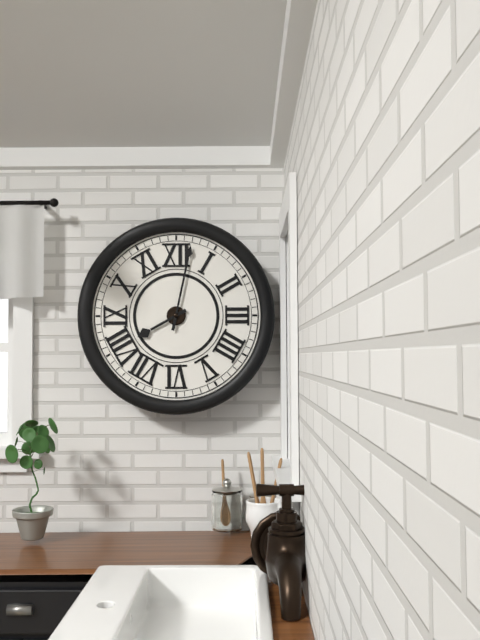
8:02
